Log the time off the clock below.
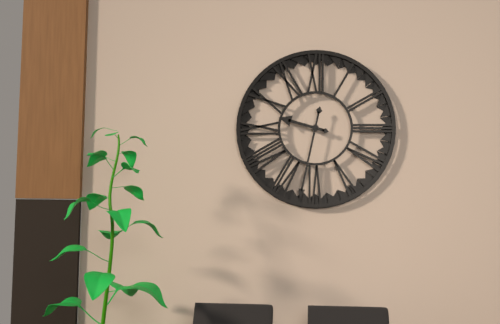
9:32
